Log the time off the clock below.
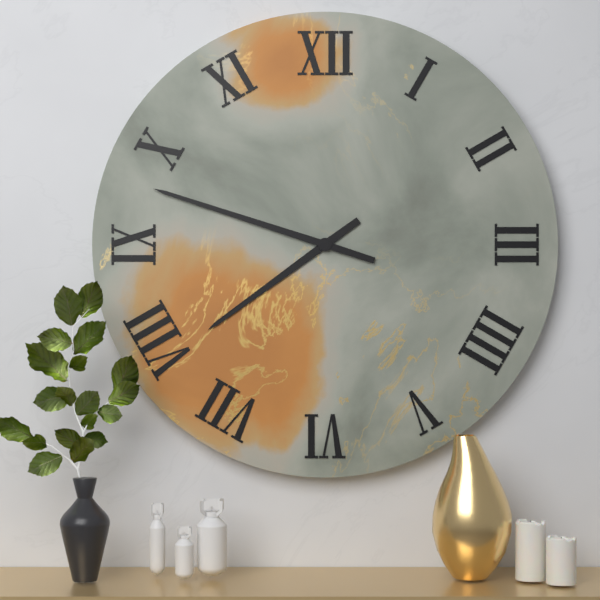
7:48
